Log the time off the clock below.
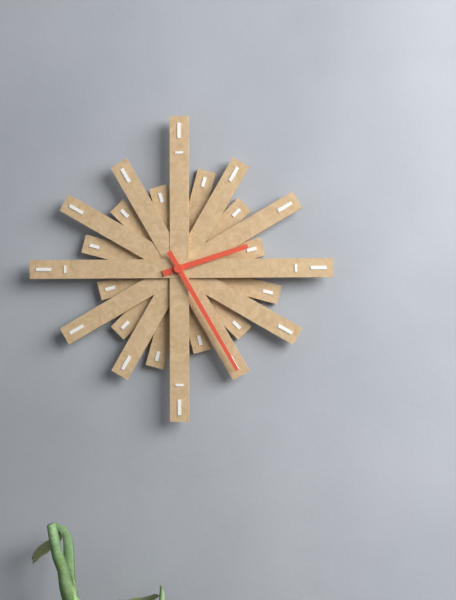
2:25
